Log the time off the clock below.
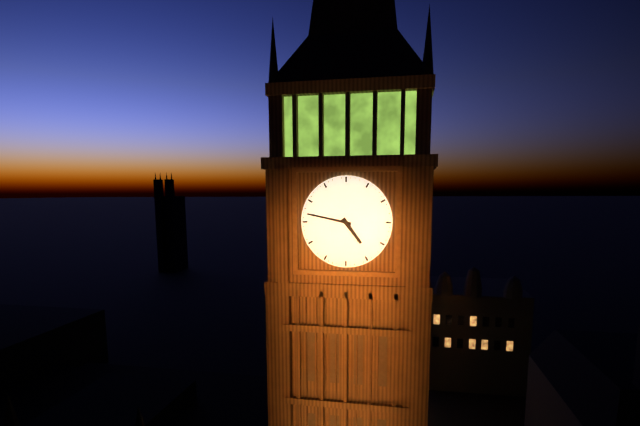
4:47
